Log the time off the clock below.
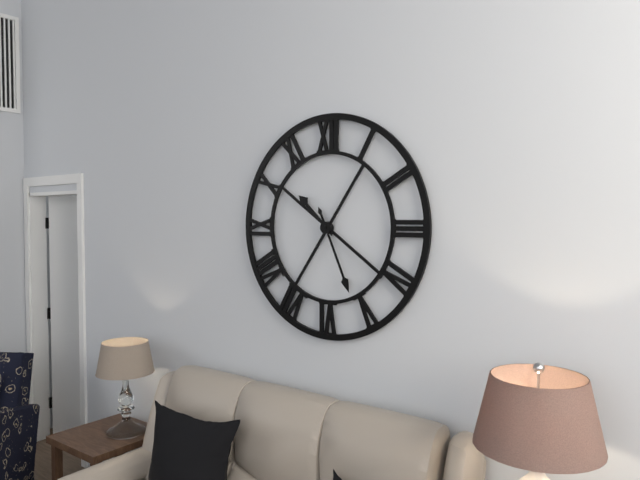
10:26
